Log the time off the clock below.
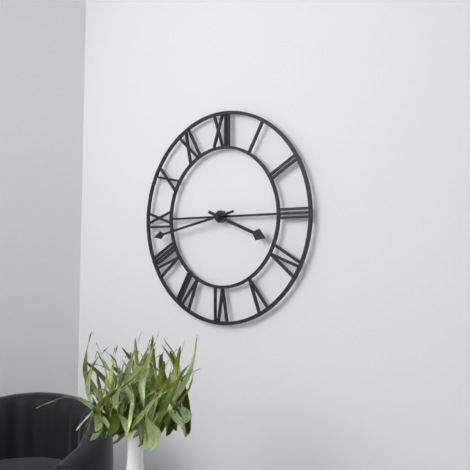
3:43
